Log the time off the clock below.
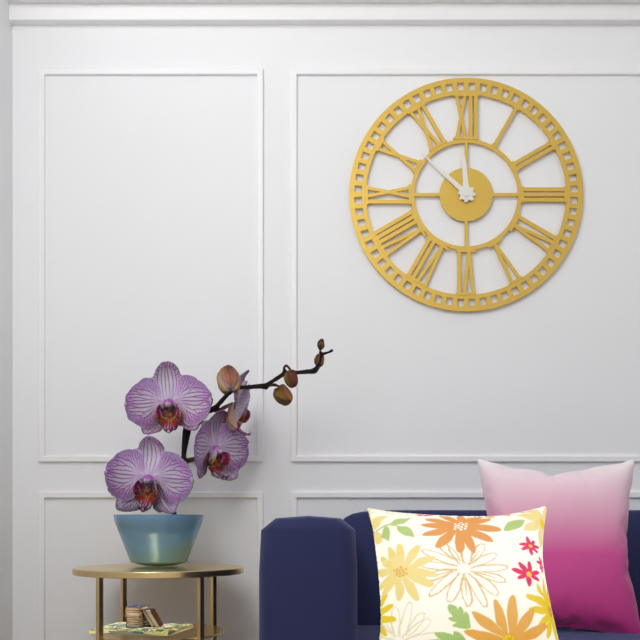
11:52
